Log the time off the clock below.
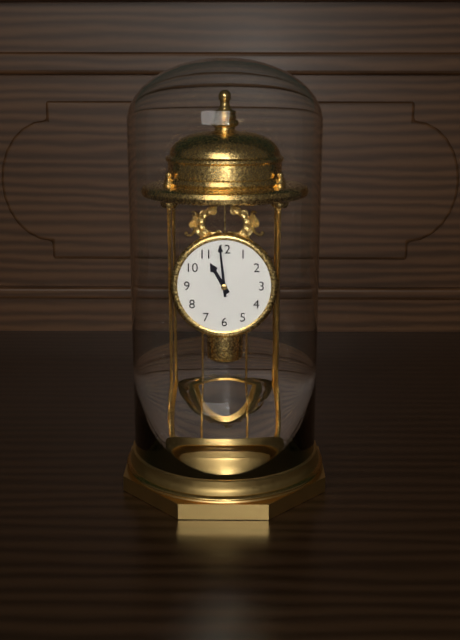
10:59
